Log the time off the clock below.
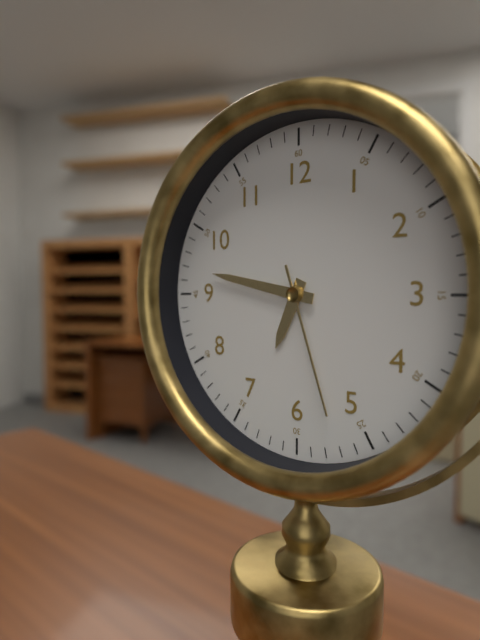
6:47:27
